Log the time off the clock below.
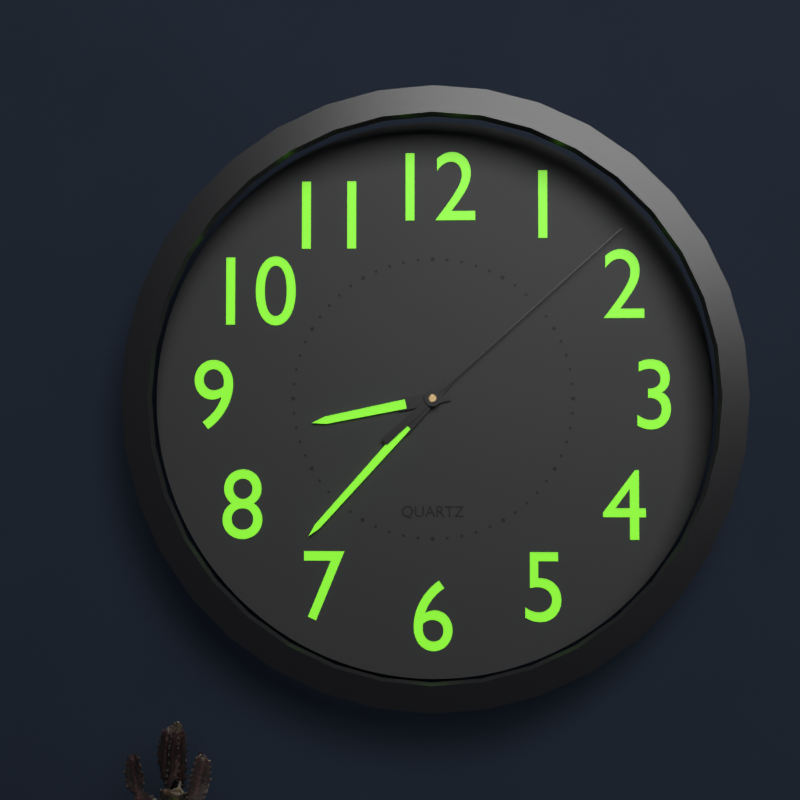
8:37:08
